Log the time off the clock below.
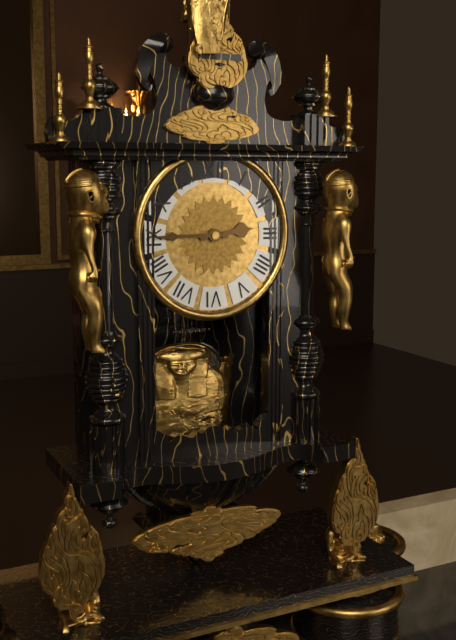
2:45
